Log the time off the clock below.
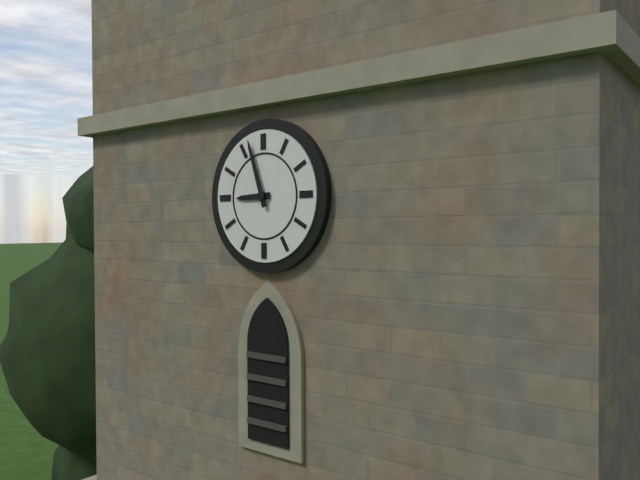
8:57
